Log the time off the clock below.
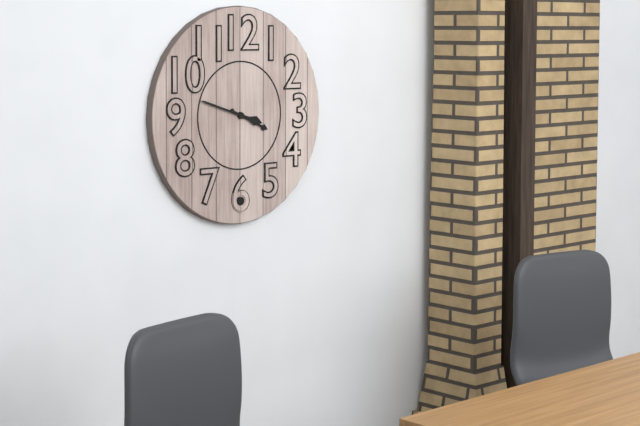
3:48
